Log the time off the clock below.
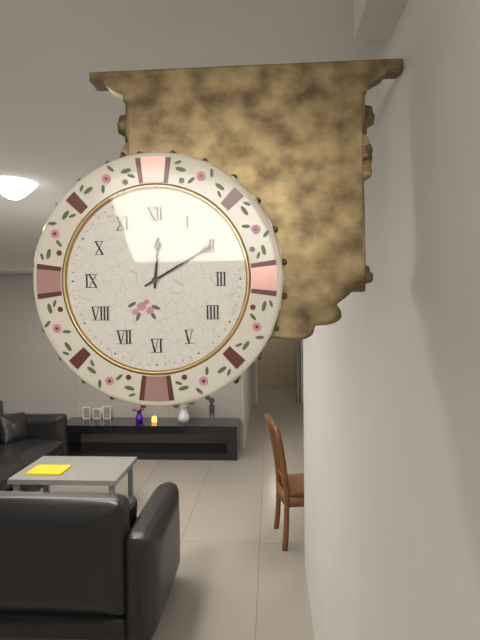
12:10
